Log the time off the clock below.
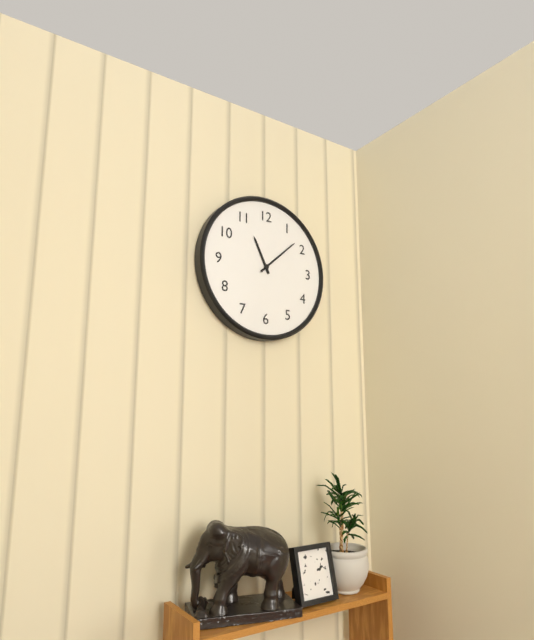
11:08
